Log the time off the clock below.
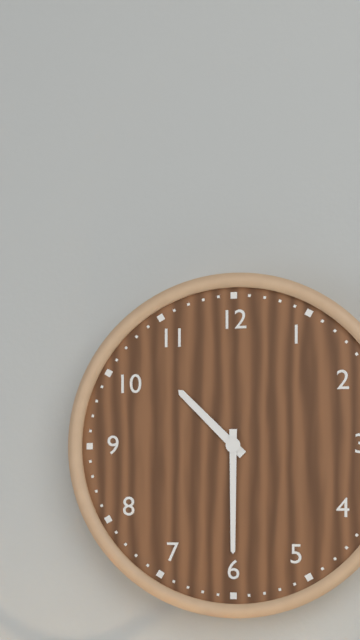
10:30
